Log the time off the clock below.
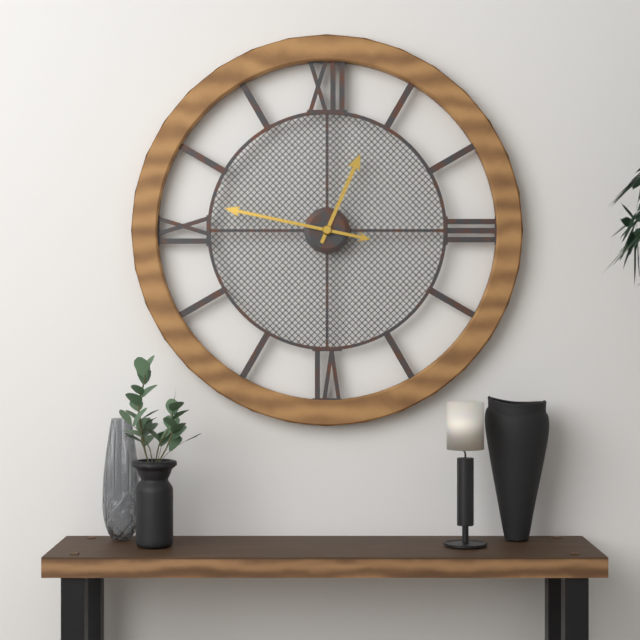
12:47
